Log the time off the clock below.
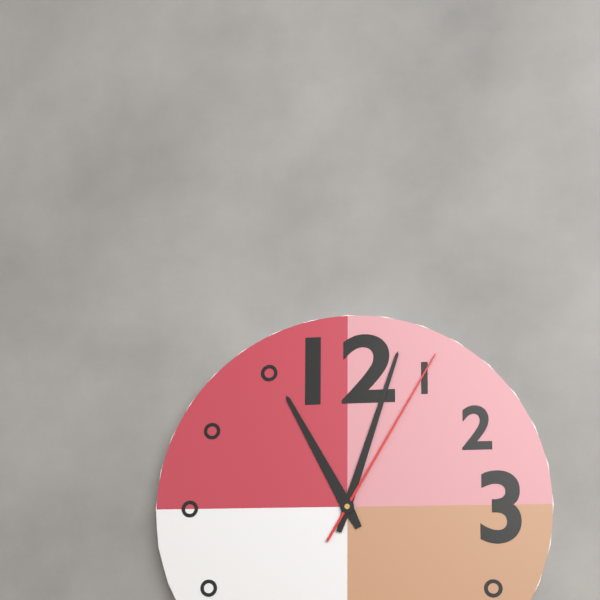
11:03:05
